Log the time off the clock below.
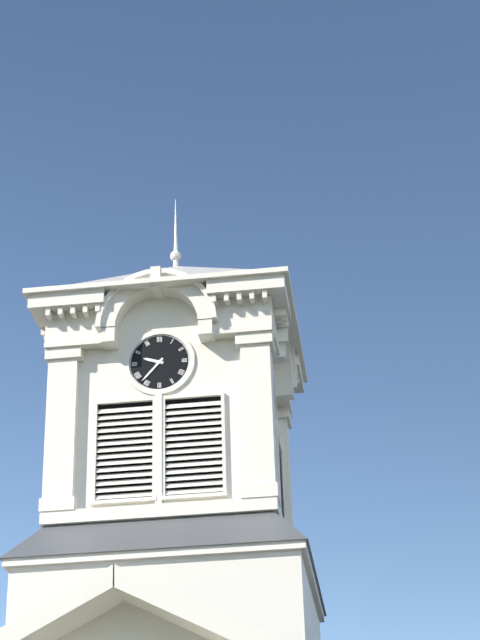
9:37
